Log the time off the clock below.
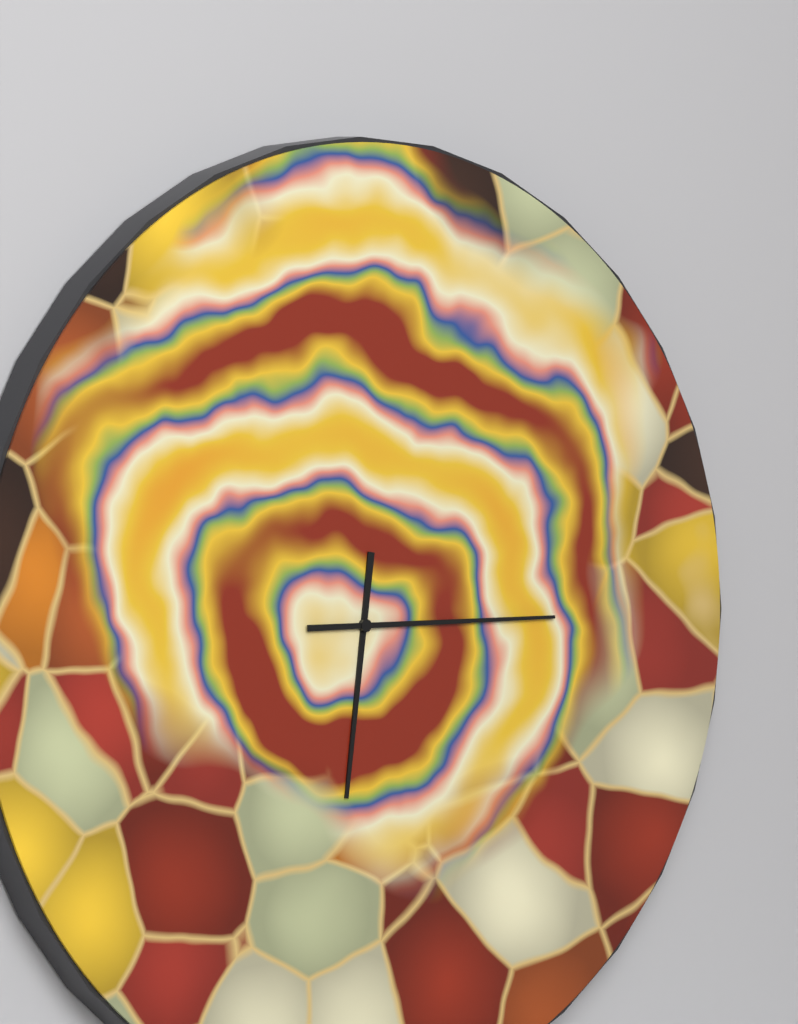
6:15
